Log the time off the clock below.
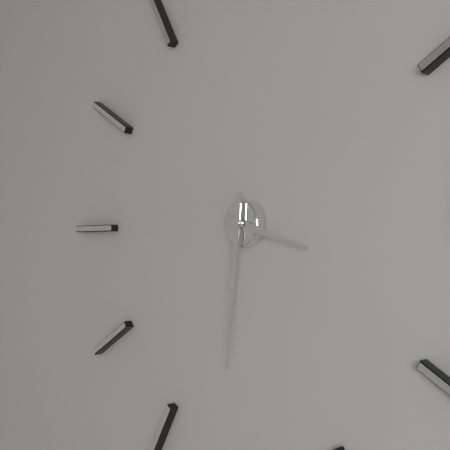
3:31
